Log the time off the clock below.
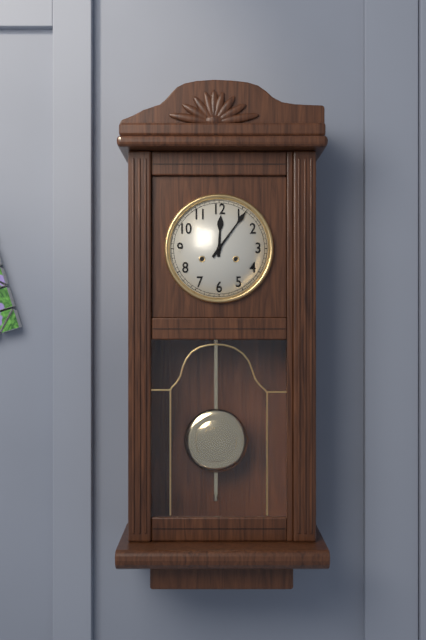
12:06
